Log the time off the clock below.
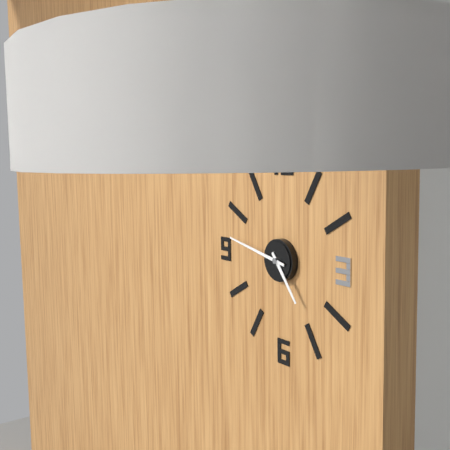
4:47
